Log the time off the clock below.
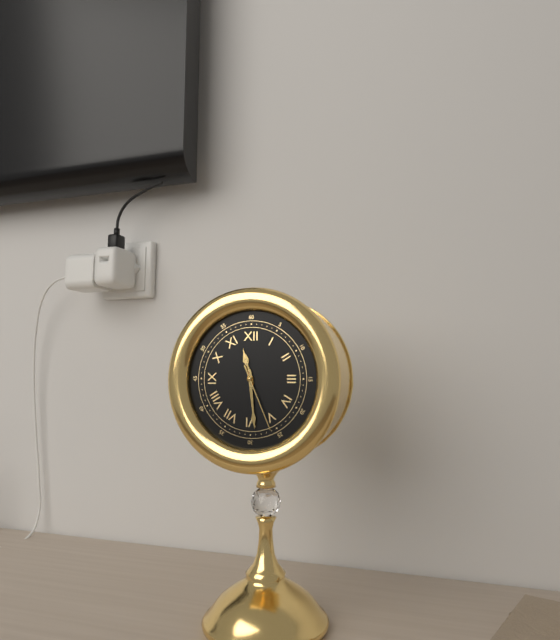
11:29:26
